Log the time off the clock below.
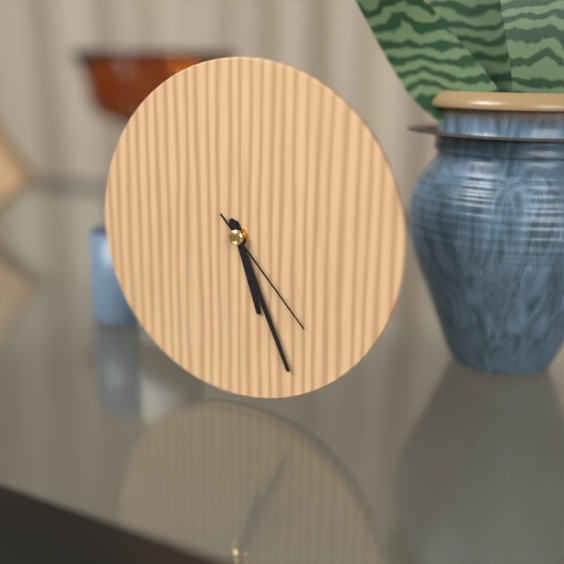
5:26:23
